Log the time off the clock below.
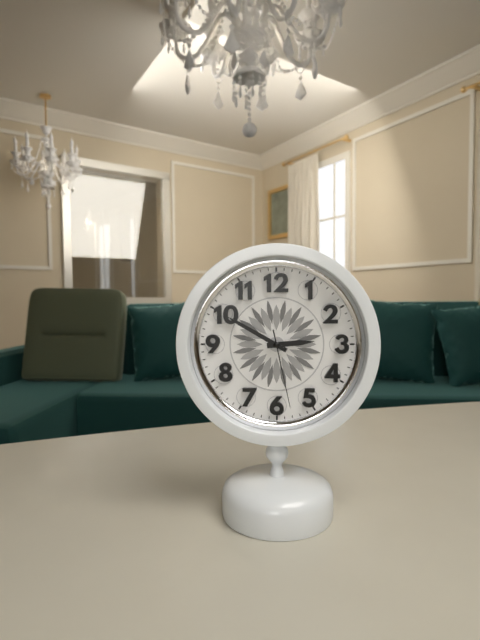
2:50:28
